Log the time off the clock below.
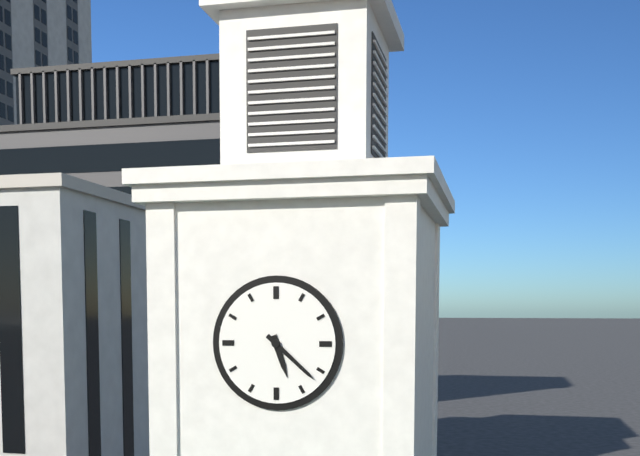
5:22
